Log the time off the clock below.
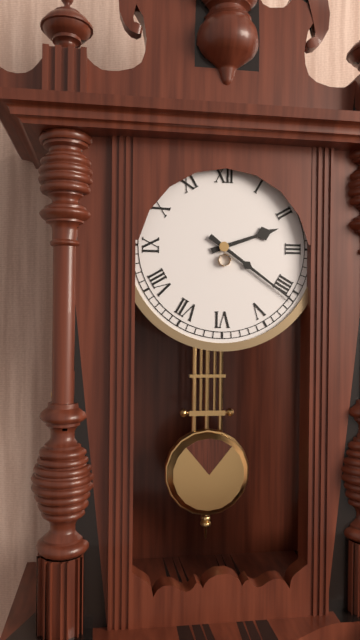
2:21
